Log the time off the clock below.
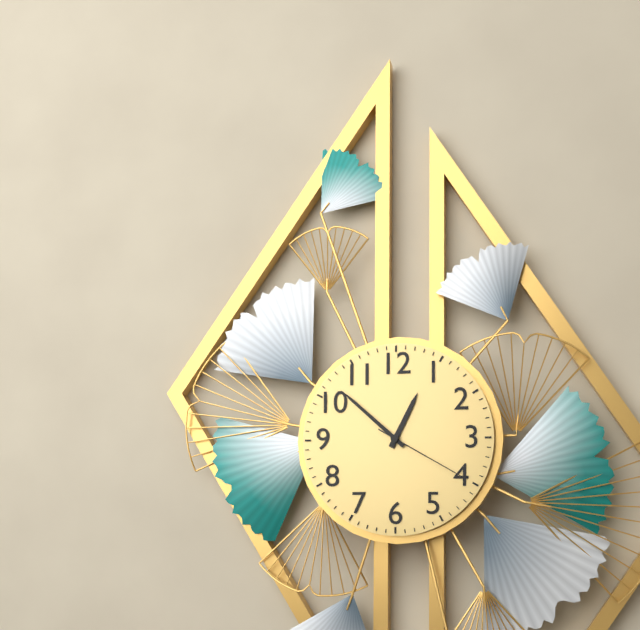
12:52:20
